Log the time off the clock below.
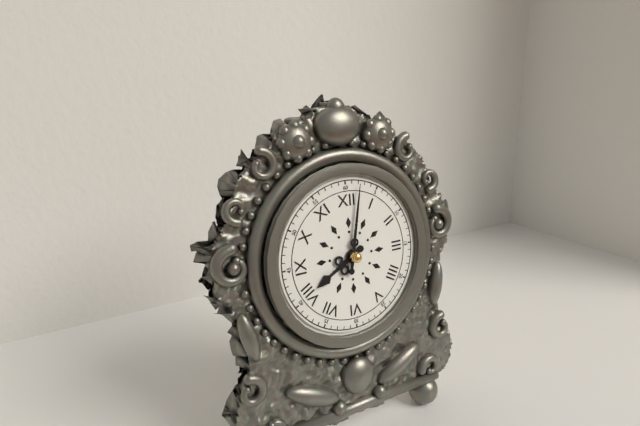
8:02
